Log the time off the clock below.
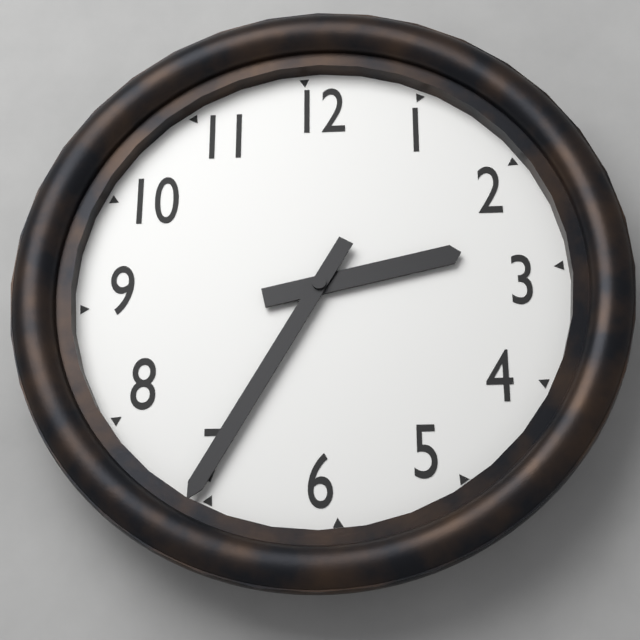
2:35
